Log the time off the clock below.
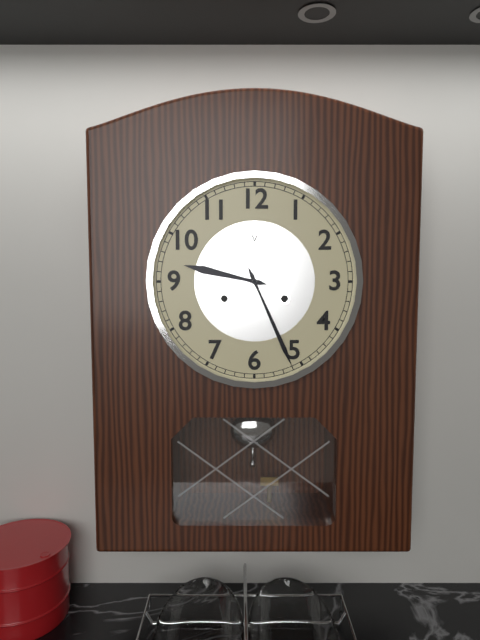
9:26
